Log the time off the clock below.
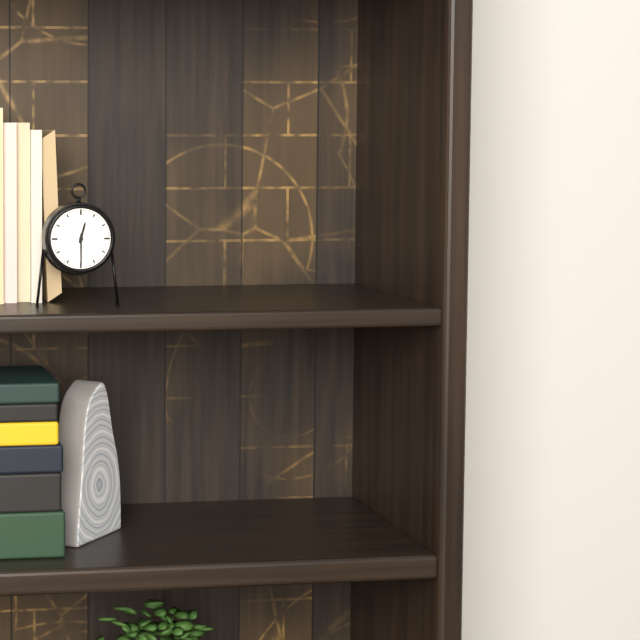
12:30
